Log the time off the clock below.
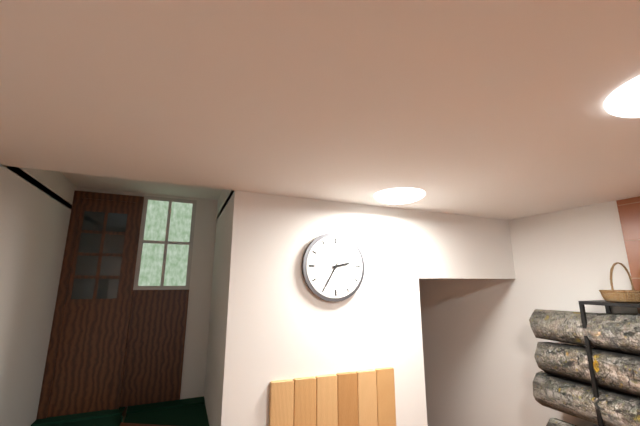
2:35
